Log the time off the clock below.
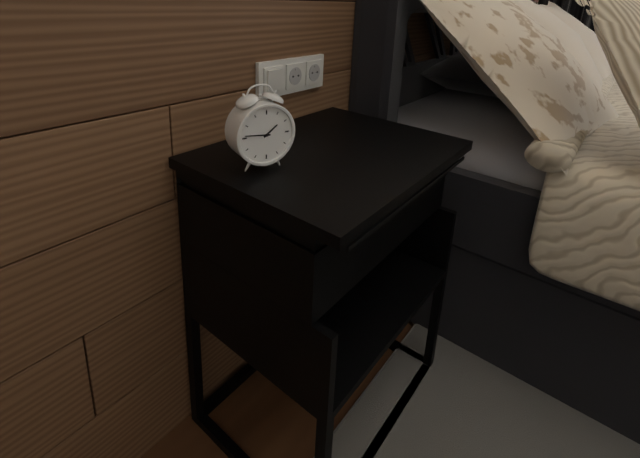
1:46
